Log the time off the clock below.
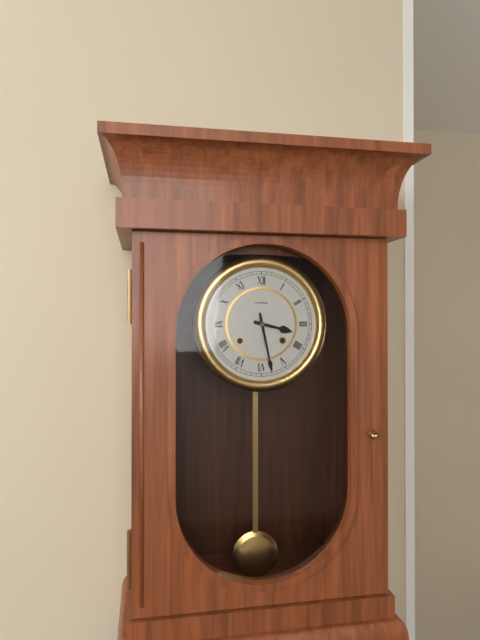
3:28
